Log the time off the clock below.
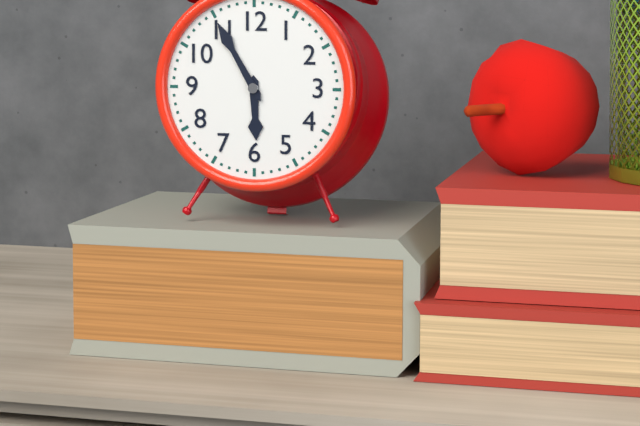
5:55
